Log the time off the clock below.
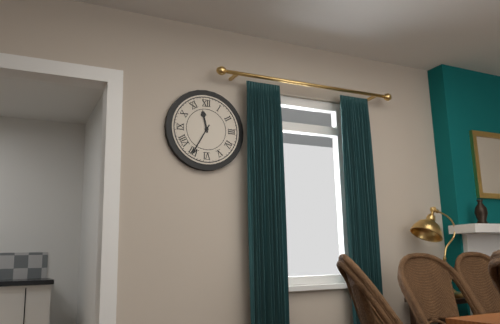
11:35
